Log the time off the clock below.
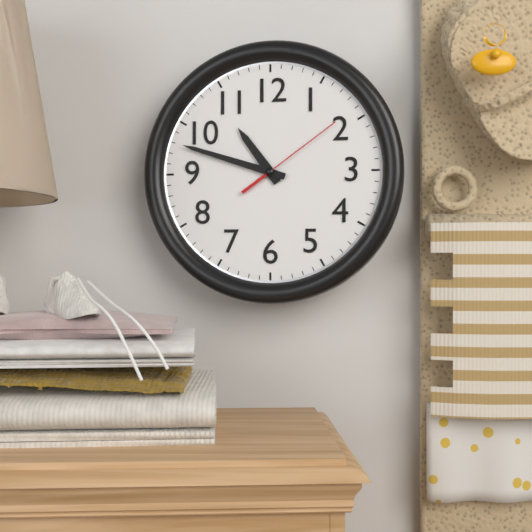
10:48:09
